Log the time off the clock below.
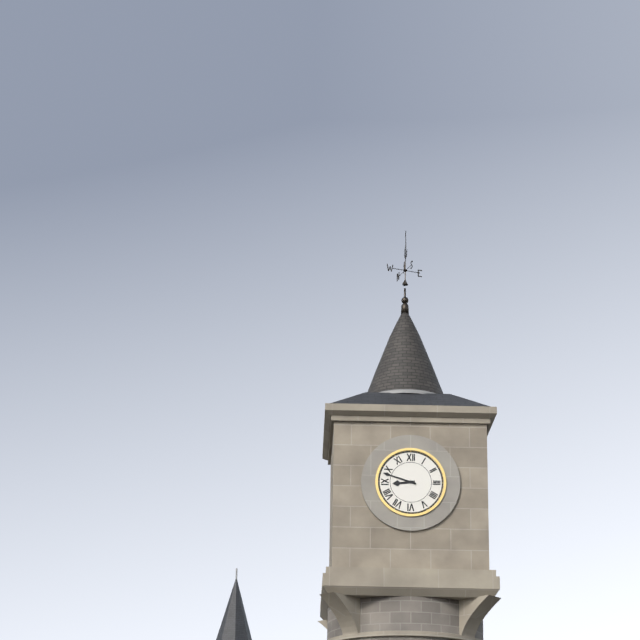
8:48
